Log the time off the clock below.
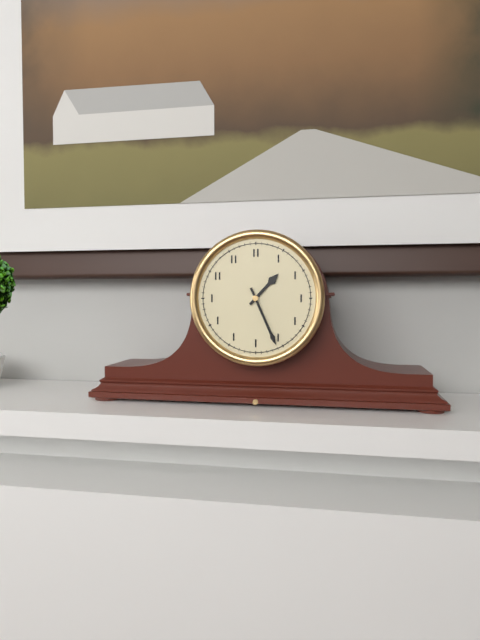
1:26
